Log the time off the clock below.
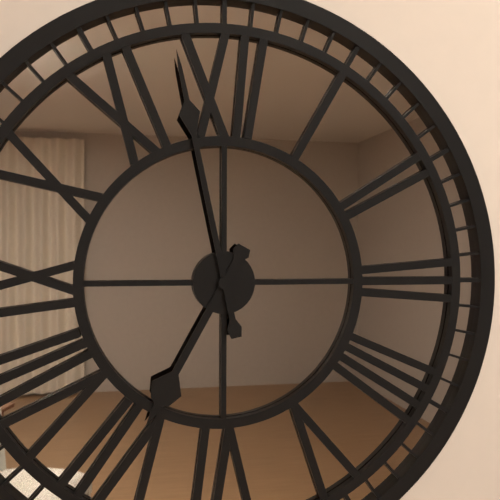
6:58
